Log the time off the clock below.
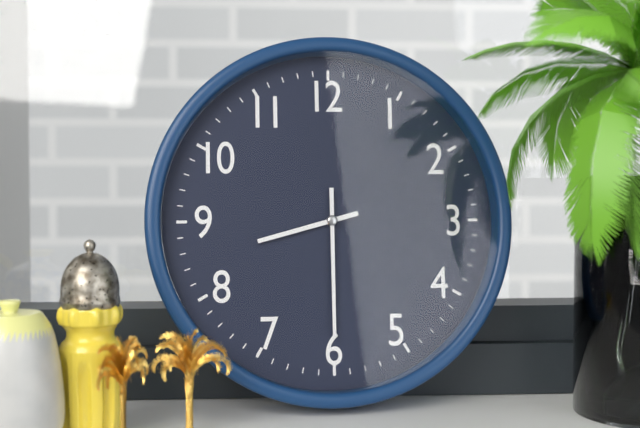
8:30
